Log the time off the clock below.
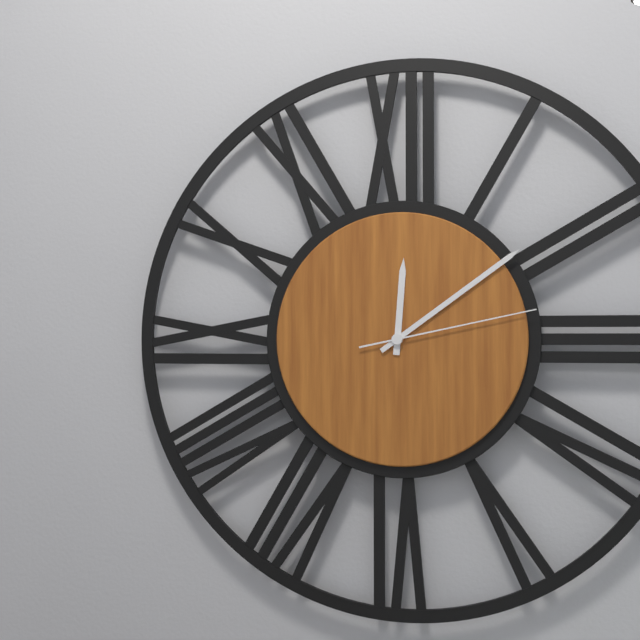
12:09:13
